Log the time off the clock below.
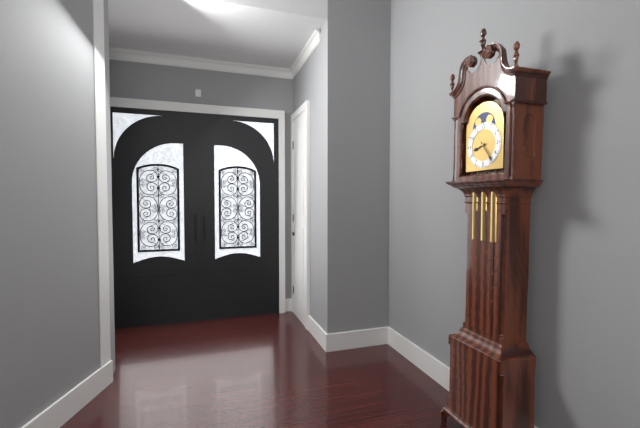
8:24
